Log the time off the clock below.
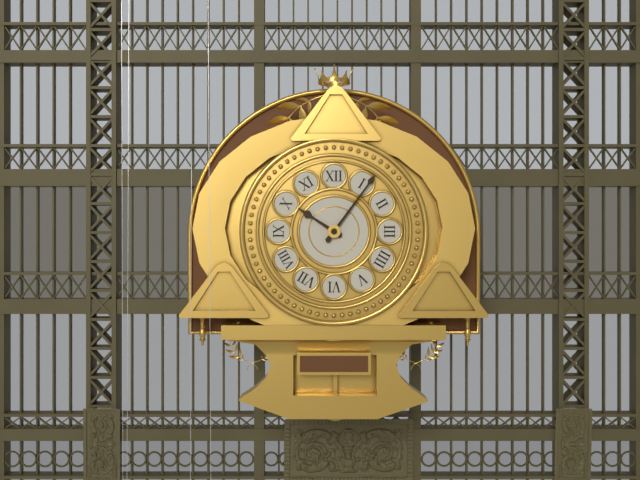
10:06
